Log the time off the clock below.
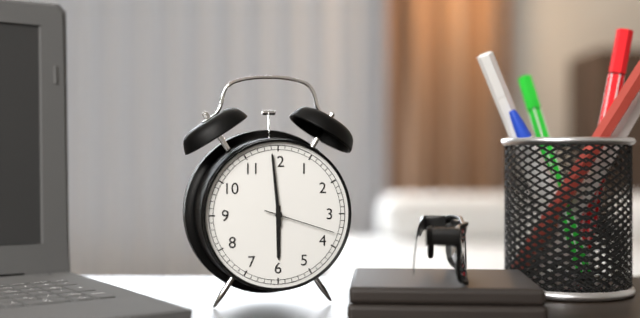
5:59:18
